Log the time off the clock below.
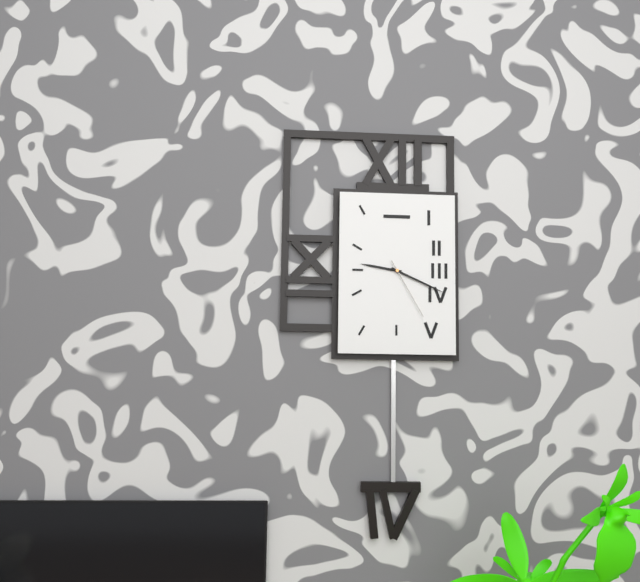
9:19:25
